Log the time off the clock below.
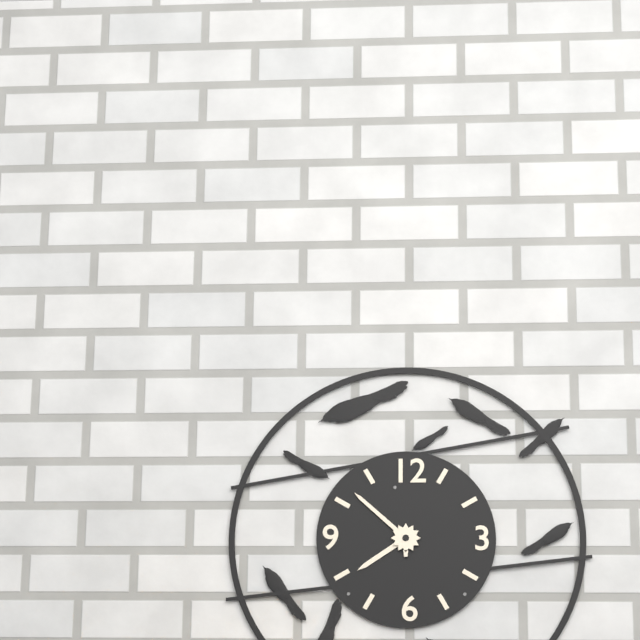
7:52
